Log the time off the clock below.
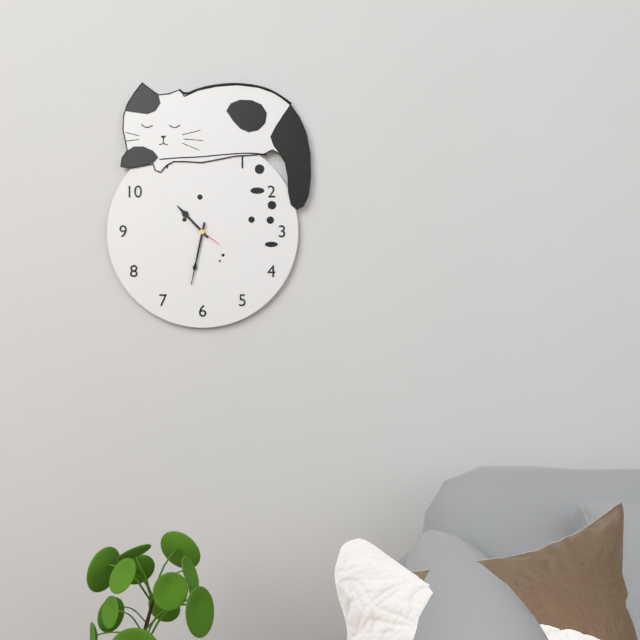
10:32
